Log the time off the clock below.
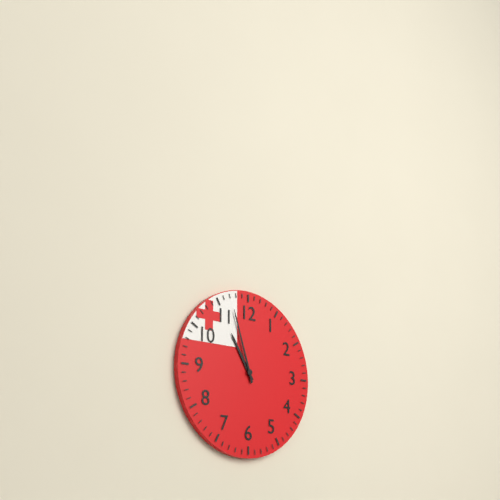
10:57
